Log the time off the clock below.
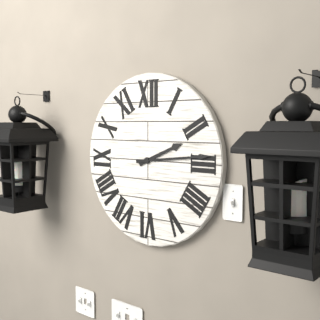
2:14
